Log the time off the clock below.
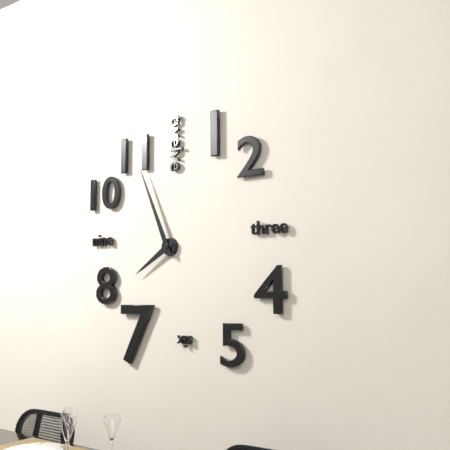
7:56
